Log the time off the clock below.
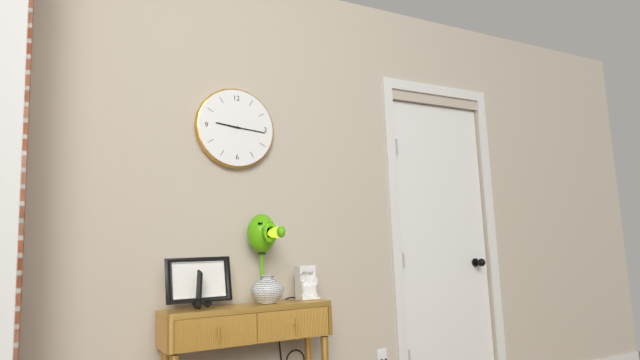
9:16
